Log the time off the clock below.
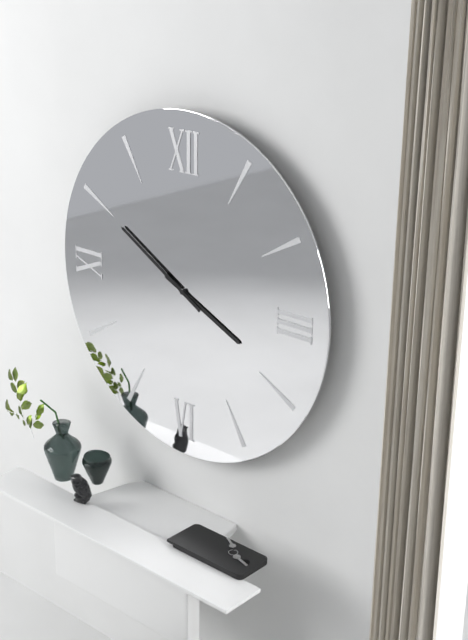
3:50
